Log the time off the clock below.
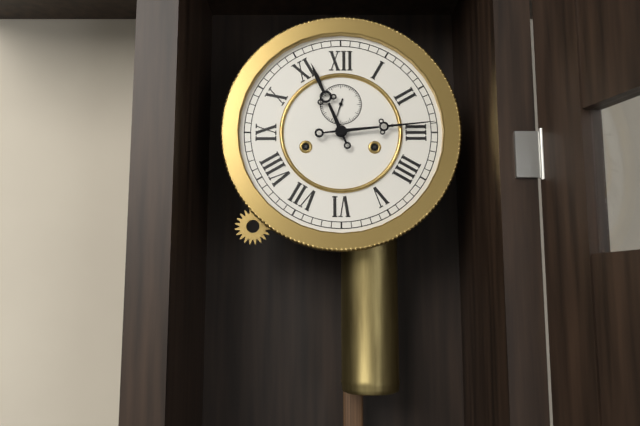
11:14
